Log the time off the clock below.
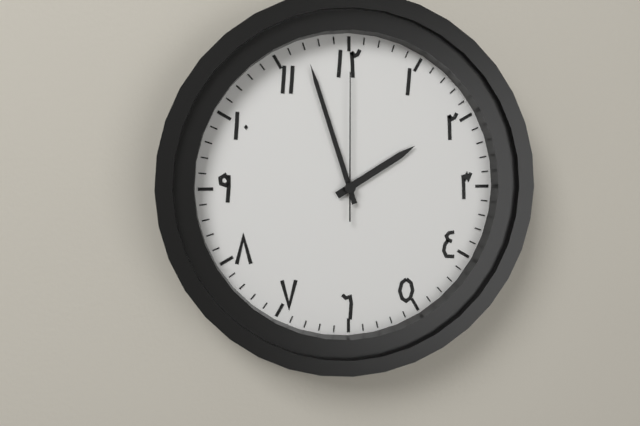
1:57:00
